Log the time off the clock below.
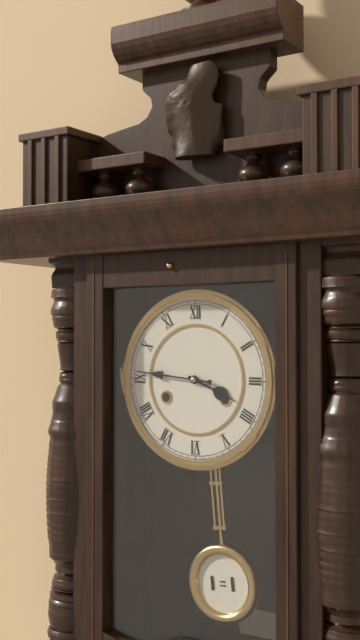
3:46
